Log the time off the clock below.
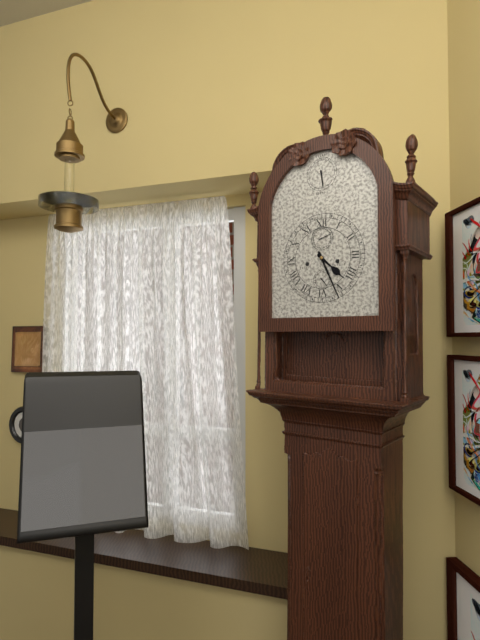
4:26
